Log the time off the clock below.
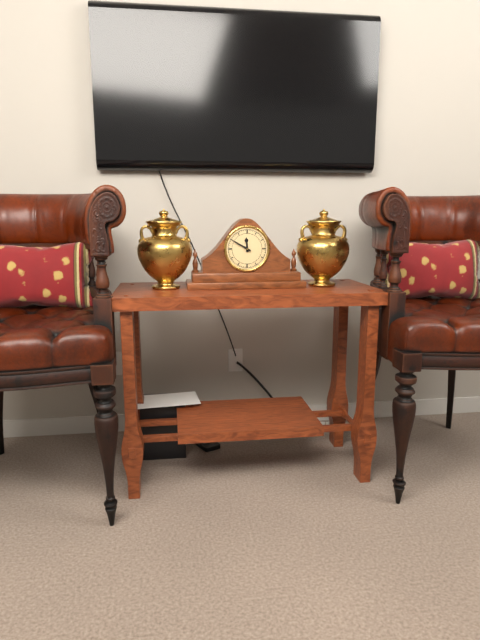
11:50
